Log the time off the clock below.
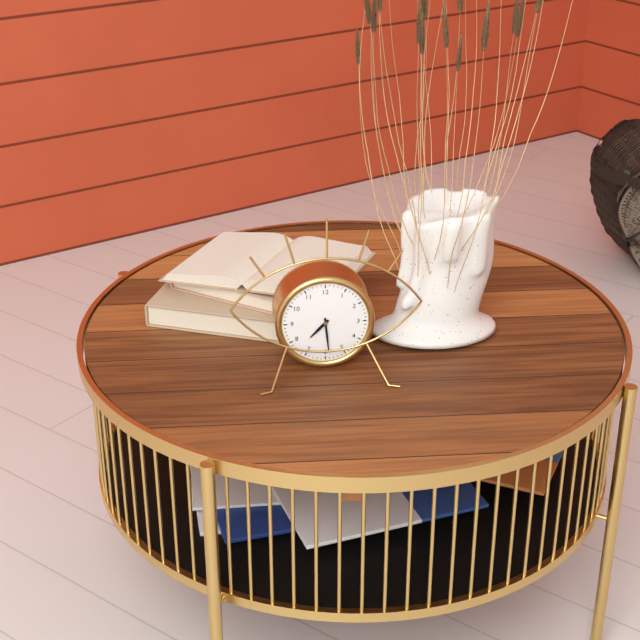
7:29
